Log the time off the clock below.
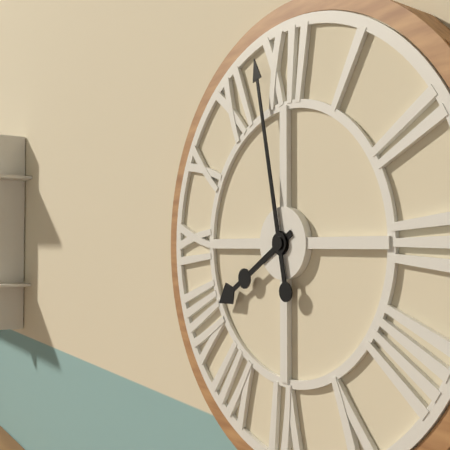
7:58
